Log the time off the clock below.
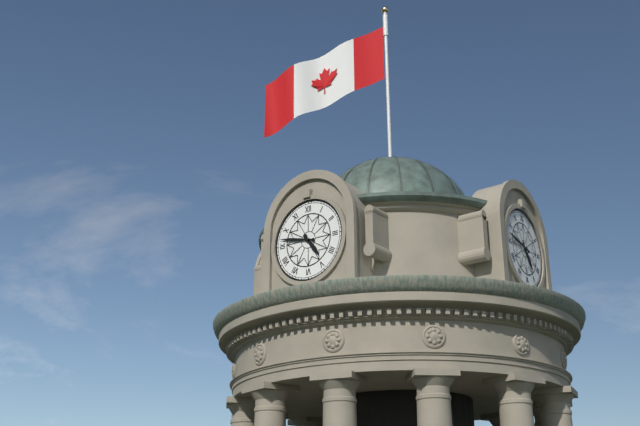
4:47
